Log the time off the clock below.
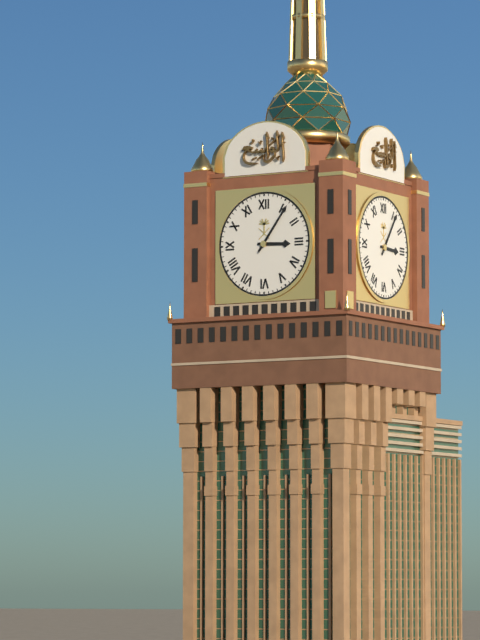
3:06
